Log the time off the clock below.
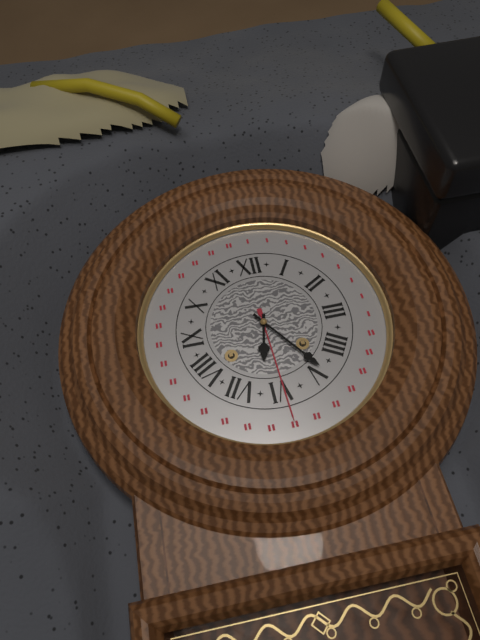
6:24
